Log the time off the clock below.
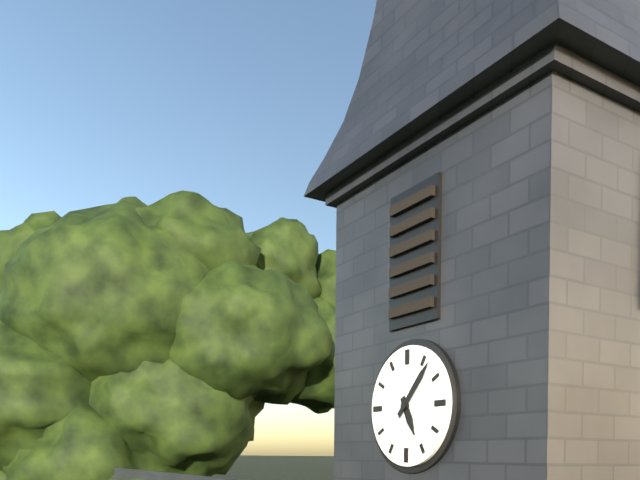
5:07
